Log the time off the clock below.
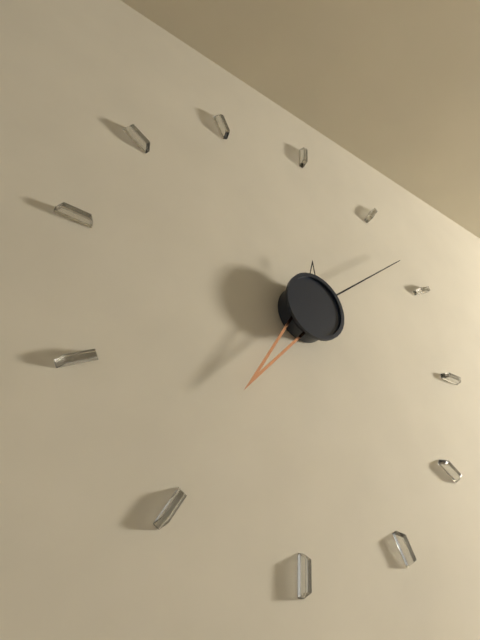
7:08:00
